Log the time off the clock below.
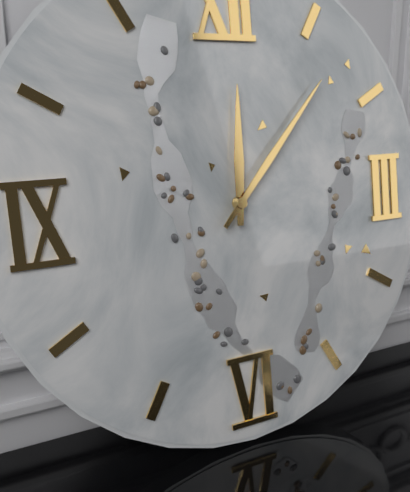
12:07
